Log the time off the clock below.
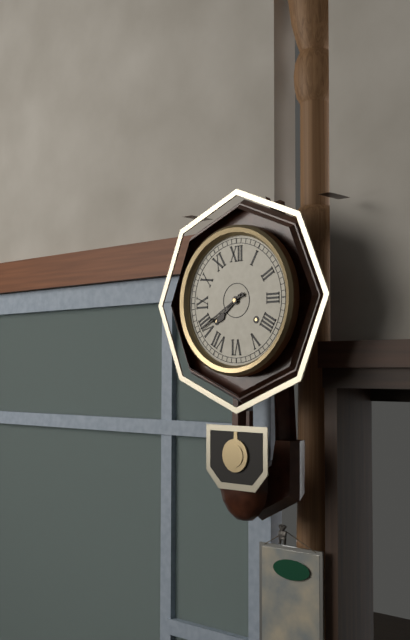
7:40
